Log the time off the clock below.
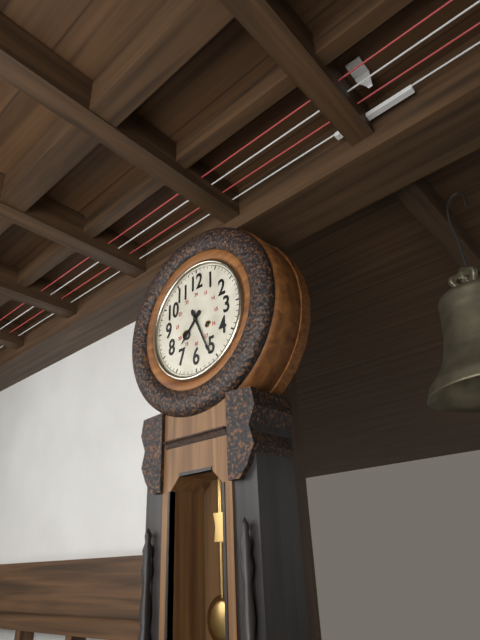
7:26
